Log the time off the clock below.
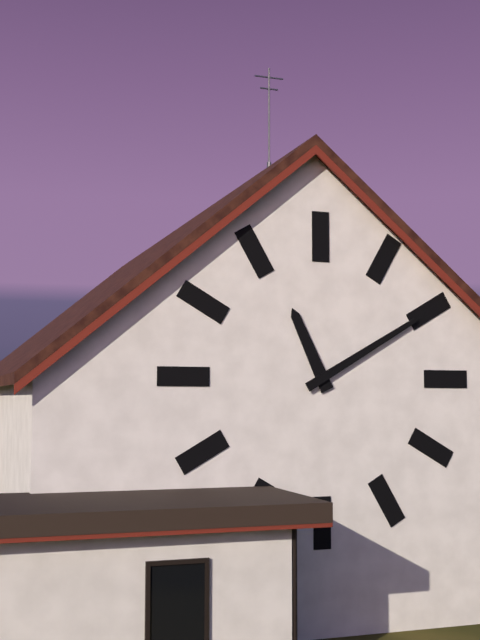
11:10
